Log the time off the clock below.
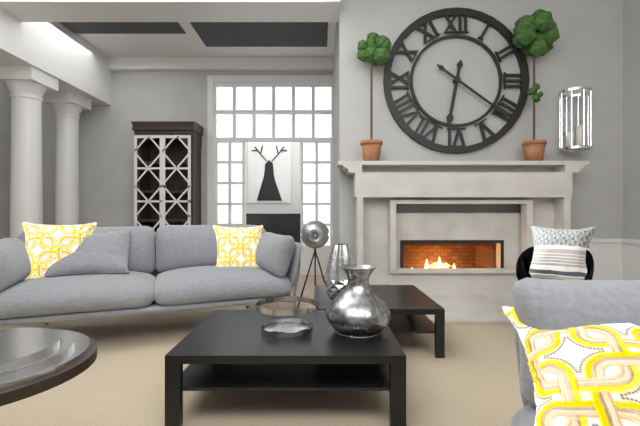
6:21
